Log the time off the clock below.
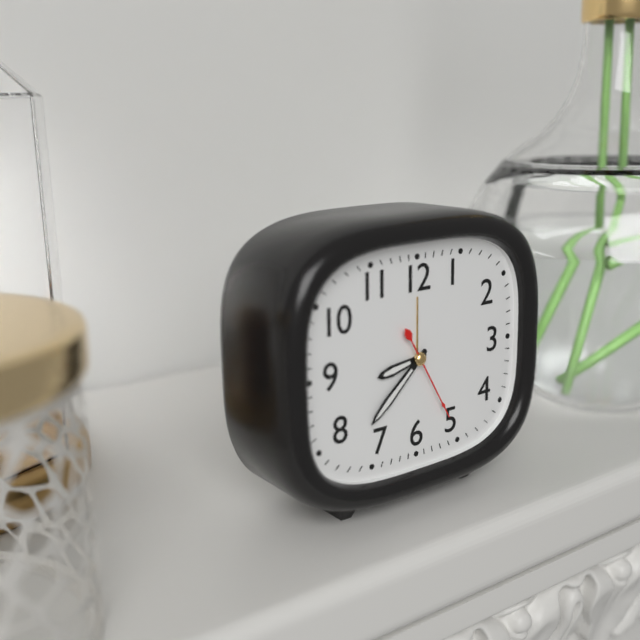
8:38:25
